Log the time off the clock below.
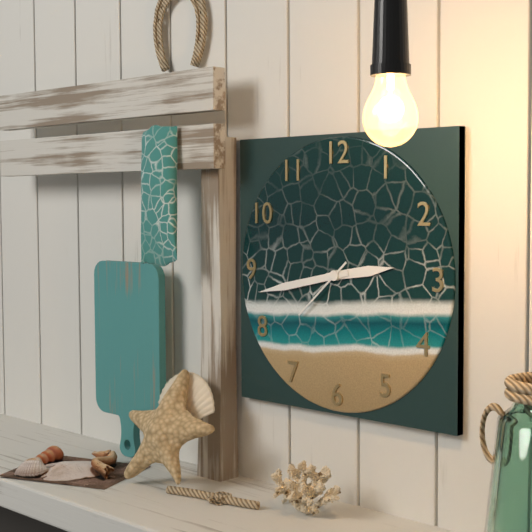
2:43:38
